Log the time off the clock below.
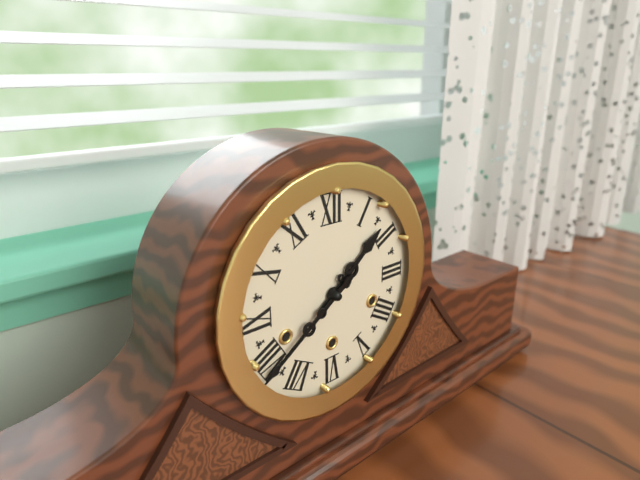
1:39
